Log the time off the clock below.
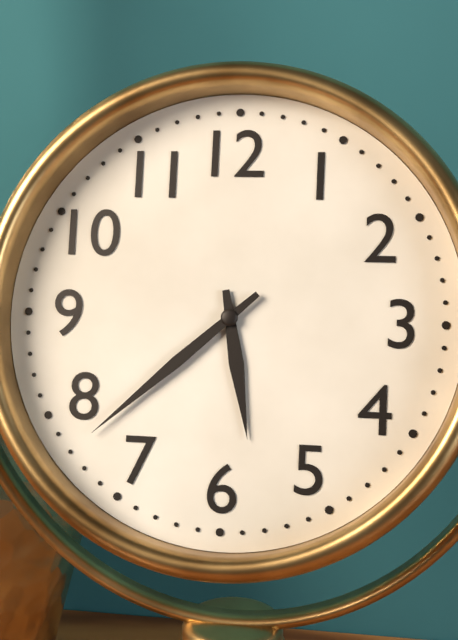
5:38
